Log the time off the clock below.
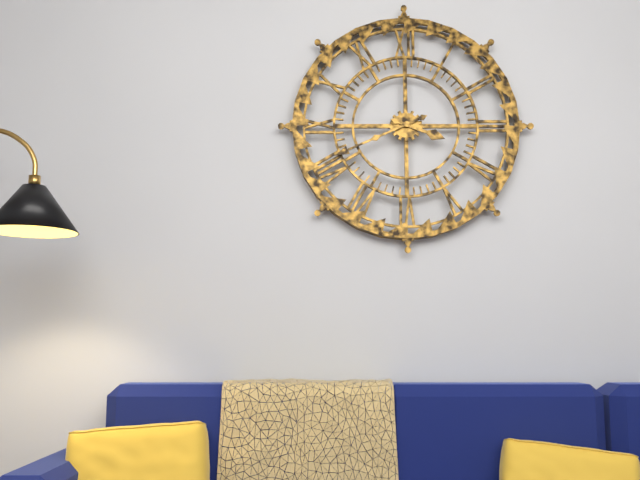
3:41
